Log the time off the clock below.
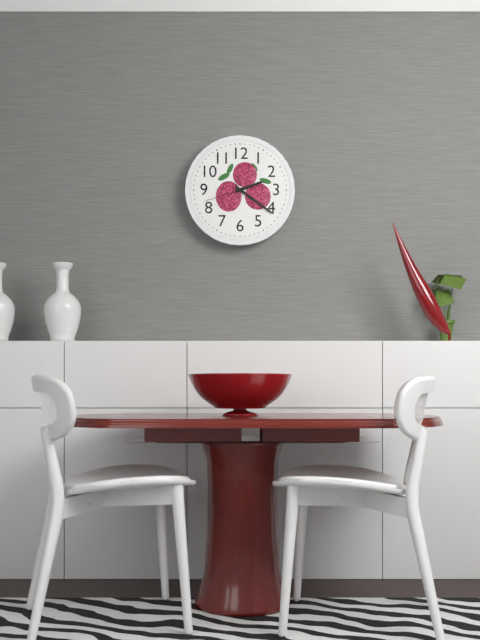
2:21
